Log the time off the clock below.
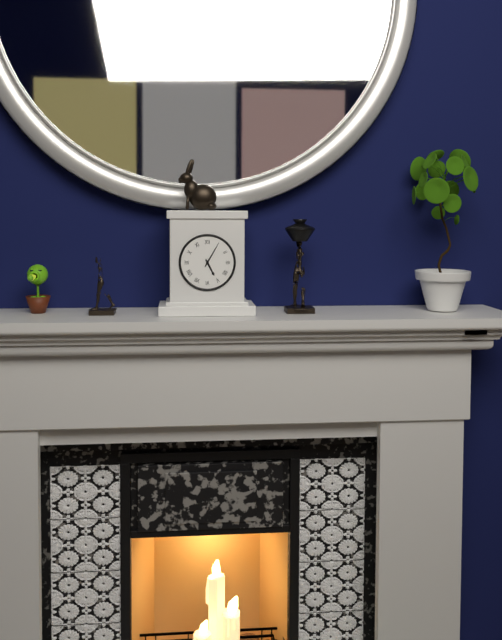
5:05
